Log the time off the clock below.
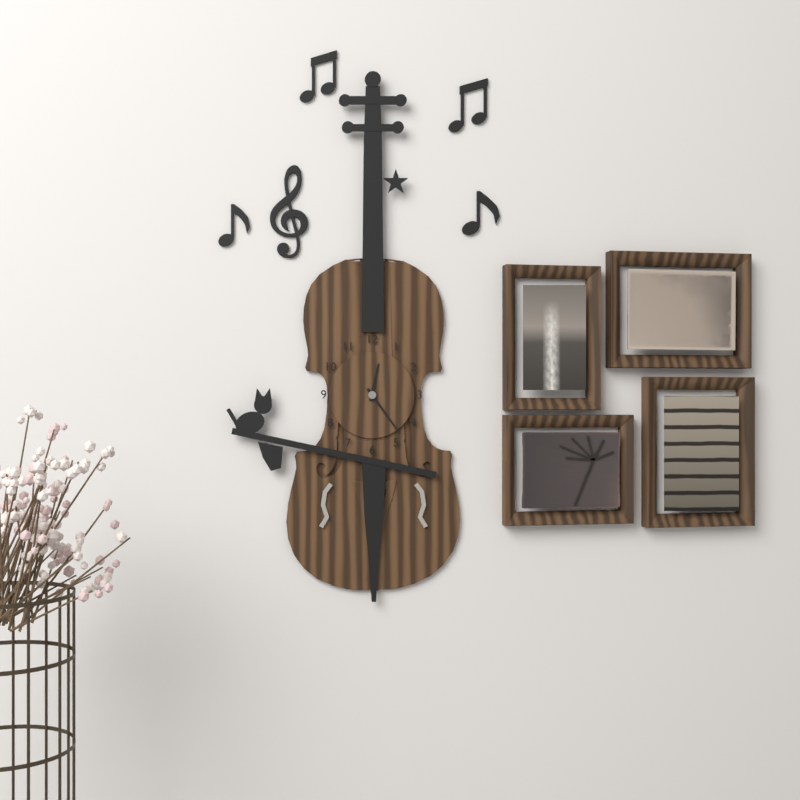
12:24
